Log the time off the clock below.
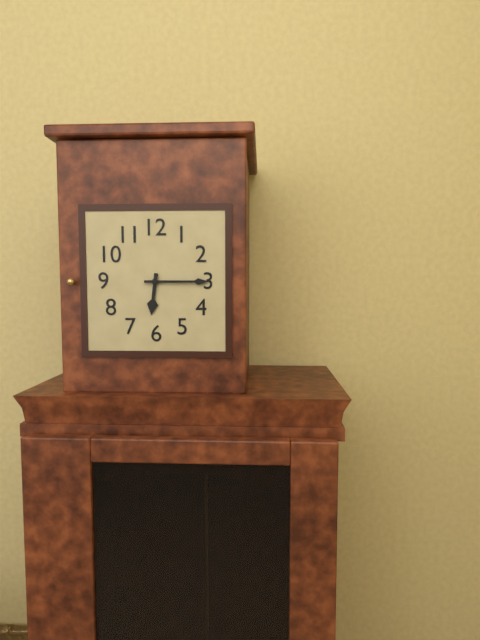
6:15
